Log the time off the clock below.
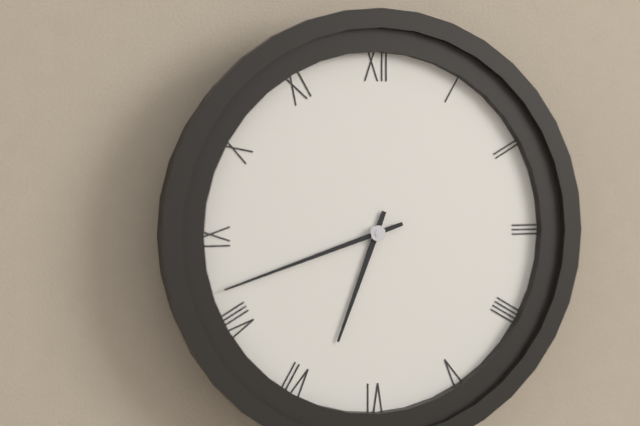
6:42
